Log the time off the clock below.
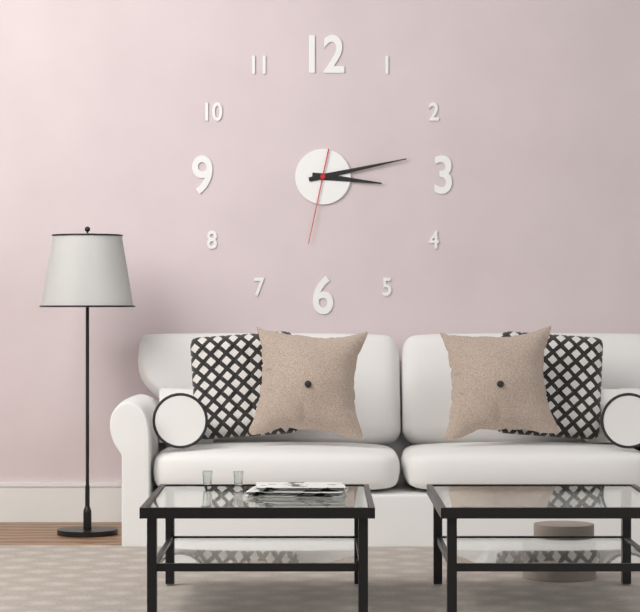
3:13:32
